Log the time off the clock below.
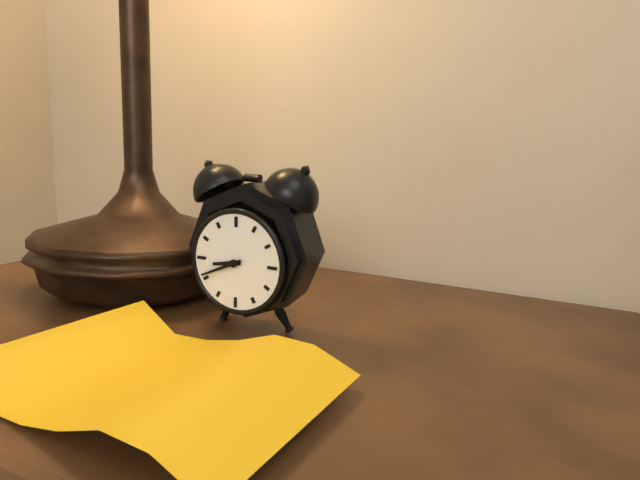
8:41
